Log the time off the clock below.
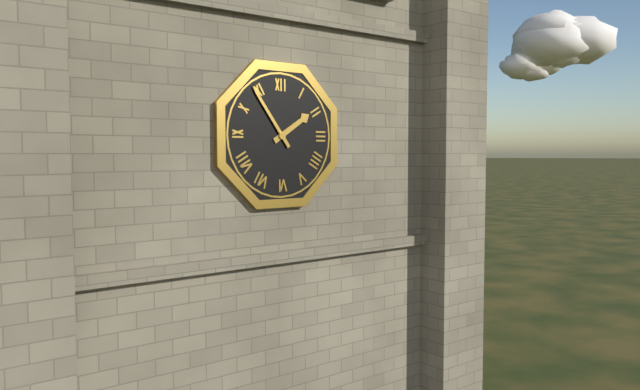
1:54
